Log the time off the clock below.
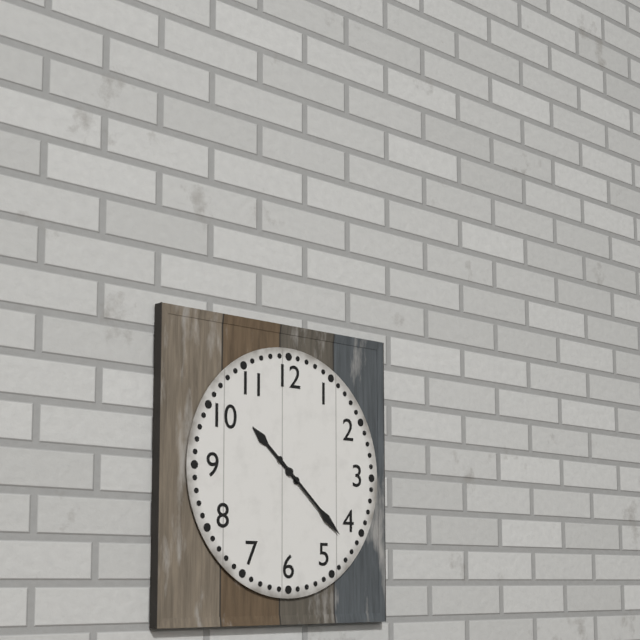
10:22
